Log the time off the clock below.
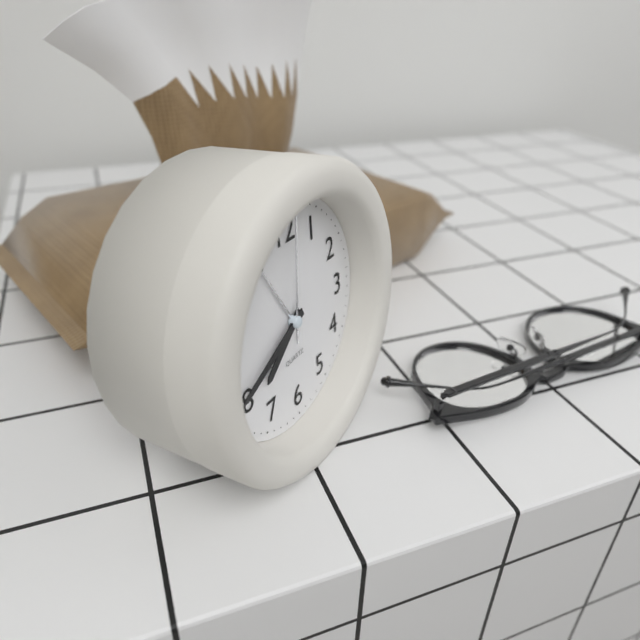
7:41:01
